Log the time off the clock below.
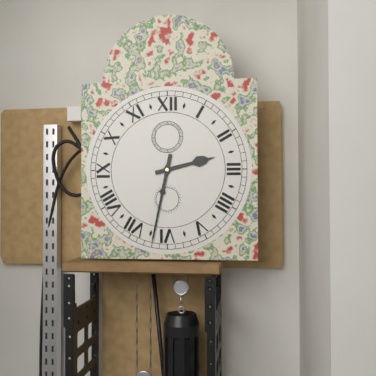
2:32
